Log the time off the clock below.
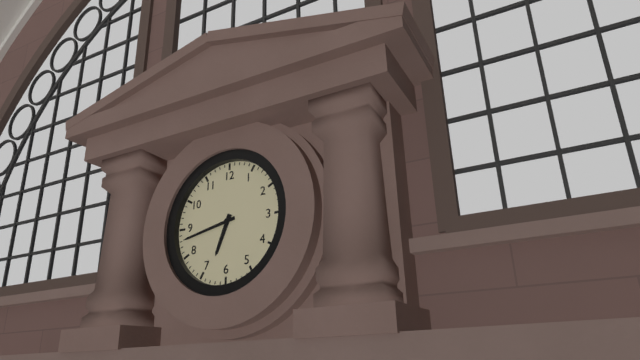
6:43
